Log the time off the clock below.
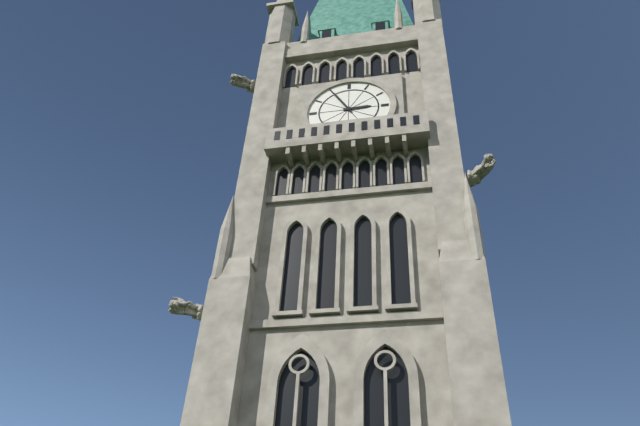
2:55
